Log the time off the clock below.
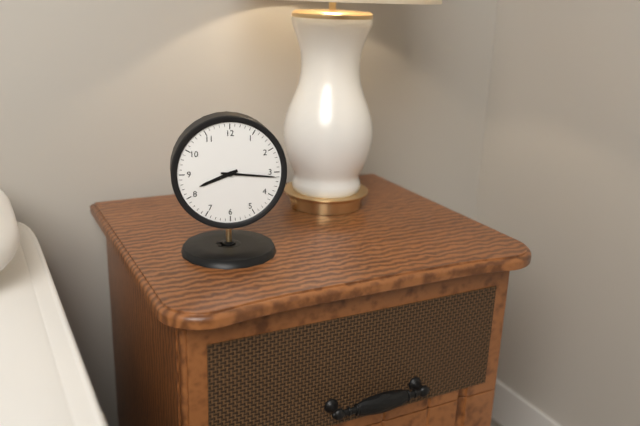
8:16
